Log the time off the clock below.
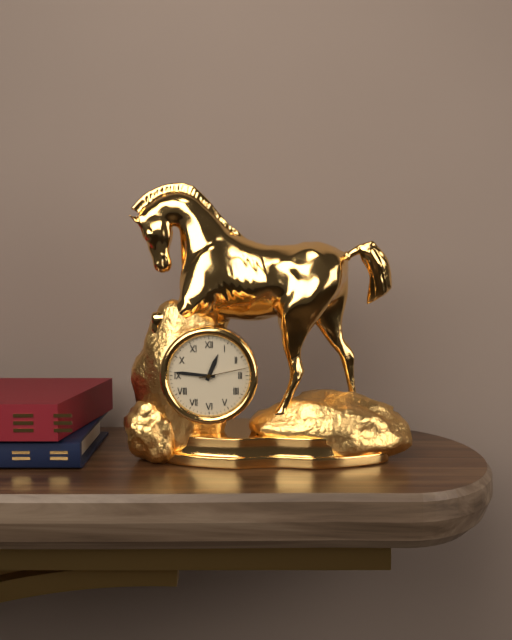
12:46
